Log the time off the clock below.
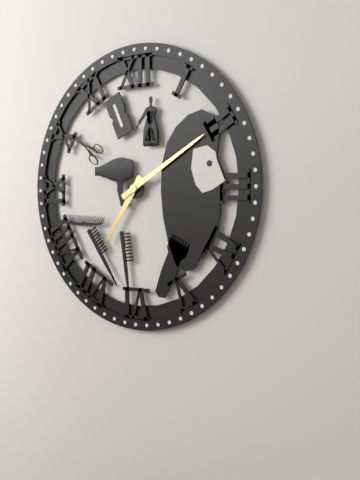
7:10
